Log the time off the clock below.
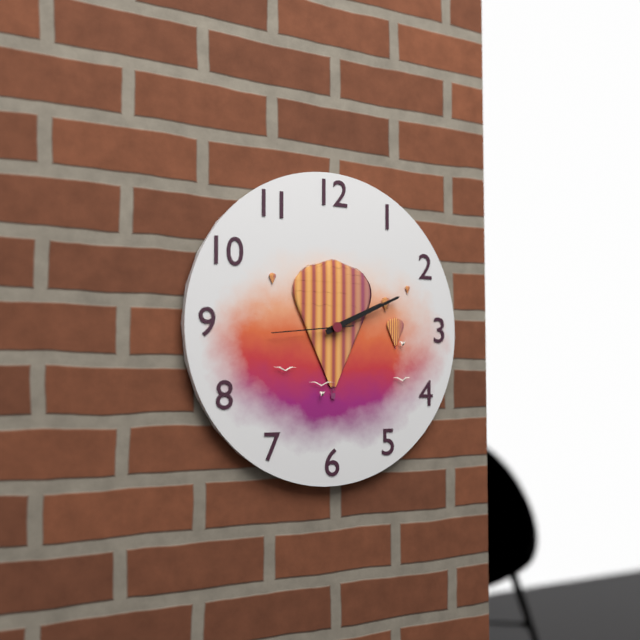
2:11:44
